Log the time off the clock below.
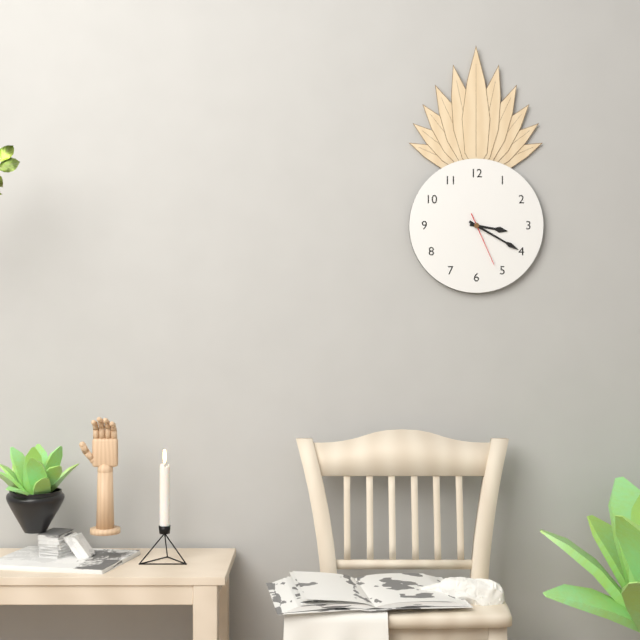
3:20:26
